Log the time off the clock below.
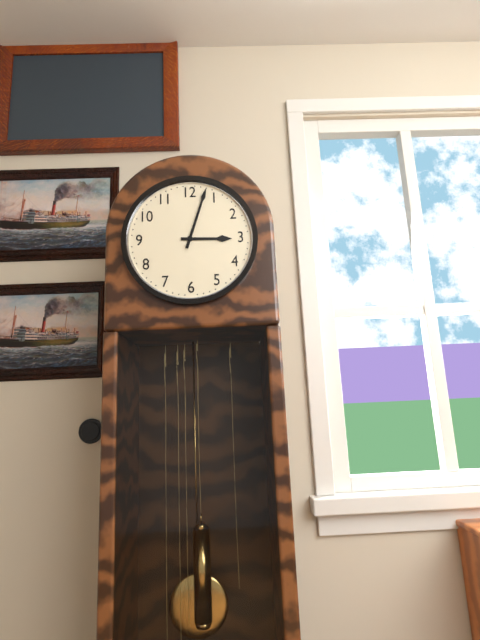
3:03
